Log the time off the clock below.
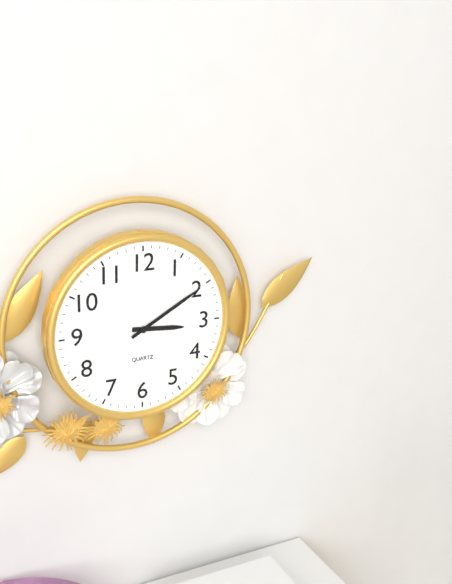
3:10
